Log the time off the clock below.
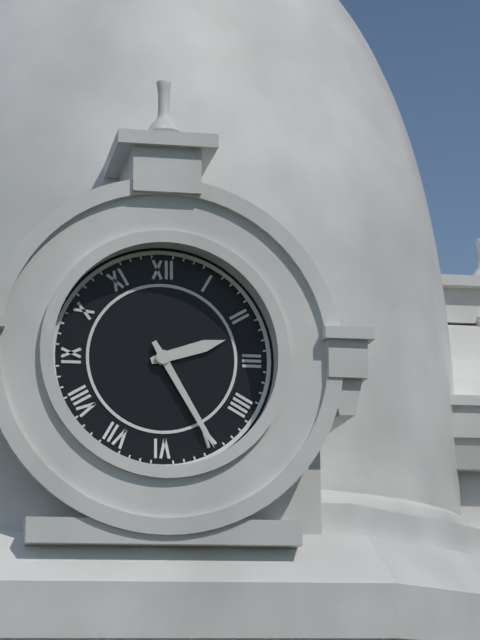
2:25
